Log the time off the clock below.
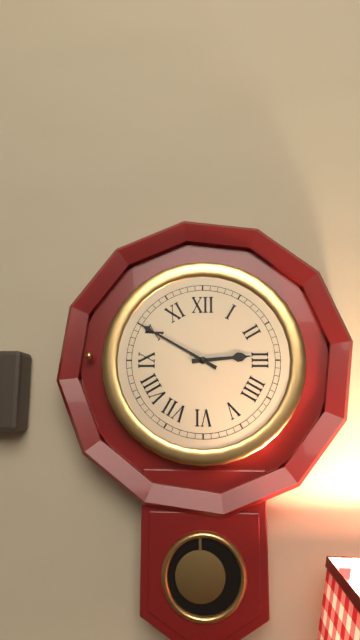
2:50
